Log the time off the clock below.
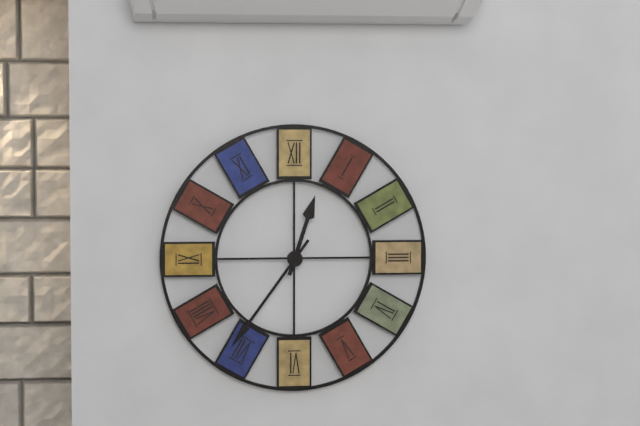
12:36
